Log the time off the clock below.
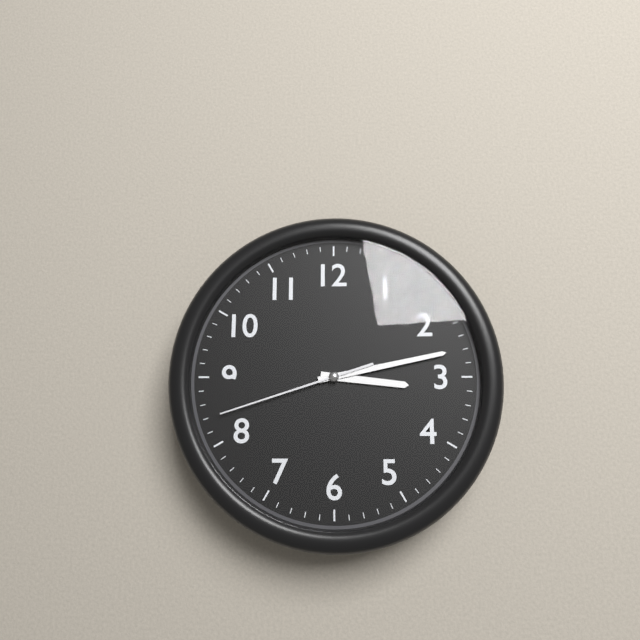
3:13:42
